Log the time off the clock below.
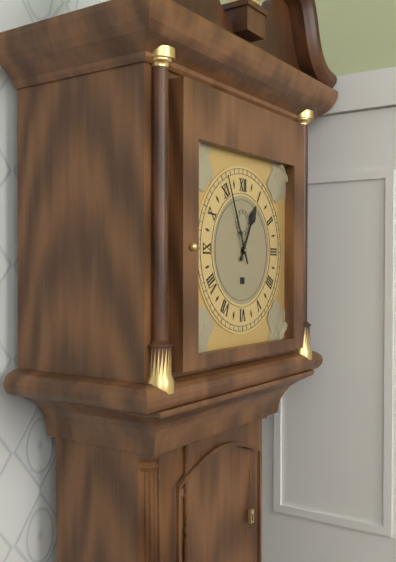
12:56
